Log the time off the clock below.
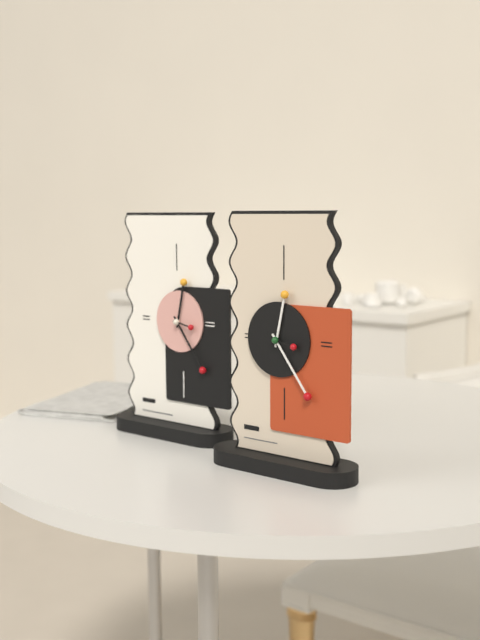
12:24
